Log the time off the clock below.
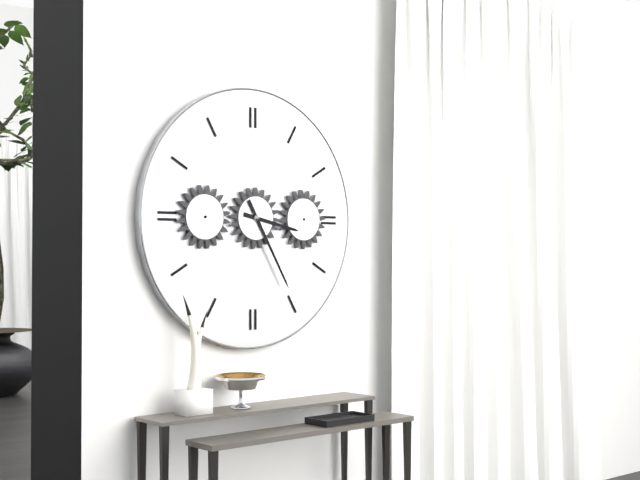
3:25
